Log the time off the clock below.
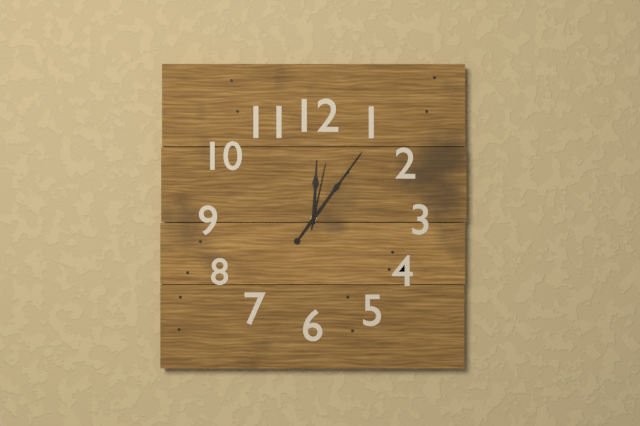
12:06:02
